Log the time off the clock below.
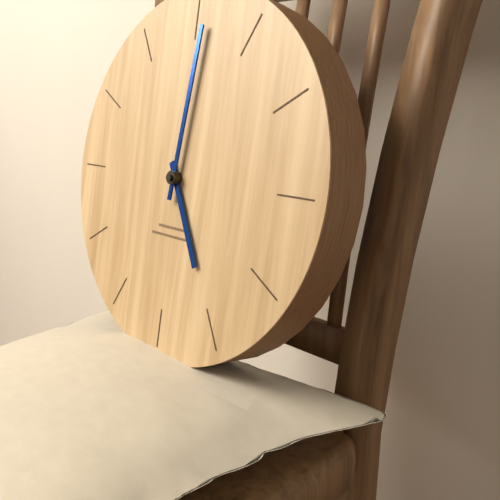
5:01
